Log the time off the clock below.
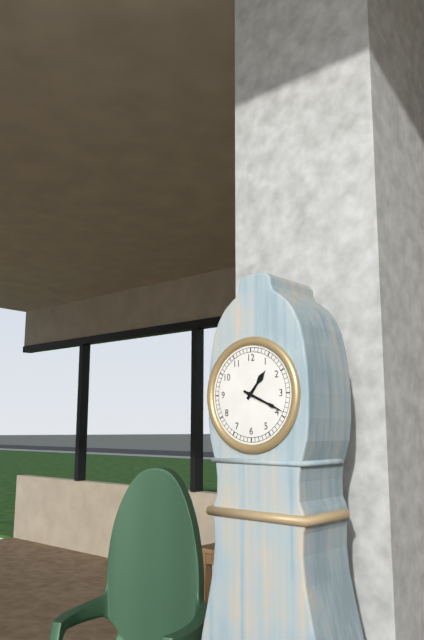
1:19
